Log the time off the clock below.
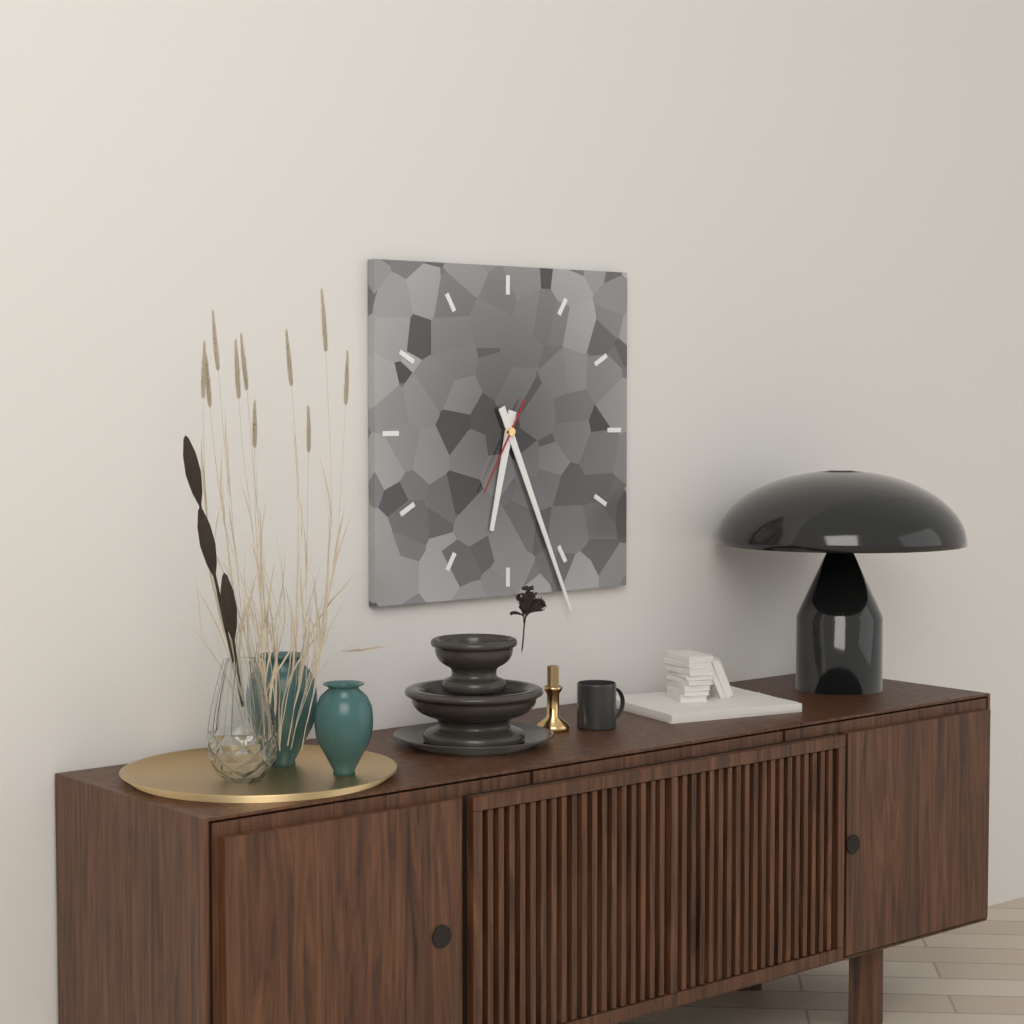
6:26:35
